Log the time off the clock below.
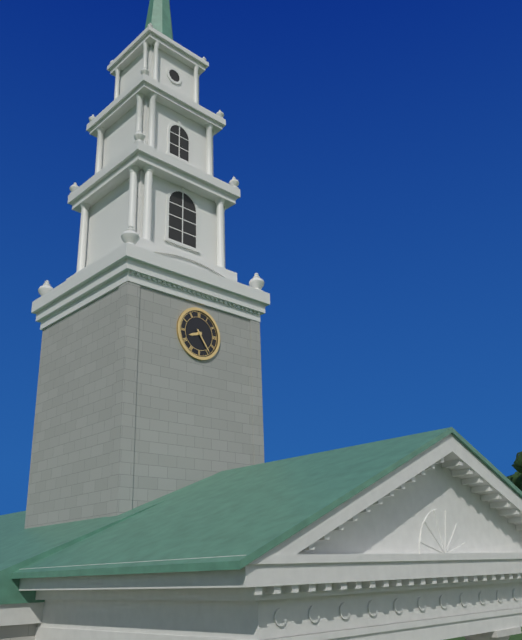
8:24
